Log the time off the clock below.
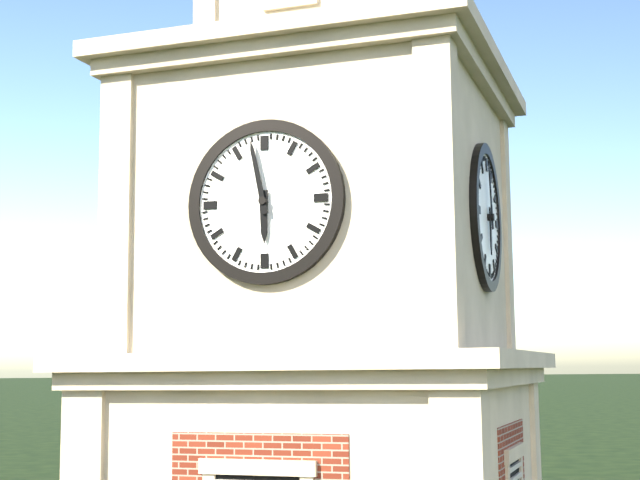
5:58
